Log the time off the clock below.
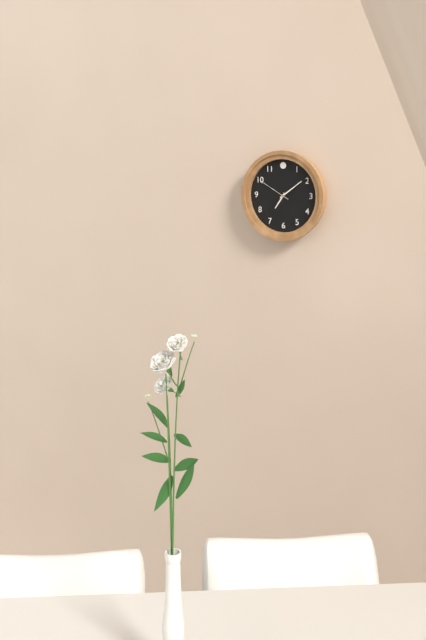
7:09
